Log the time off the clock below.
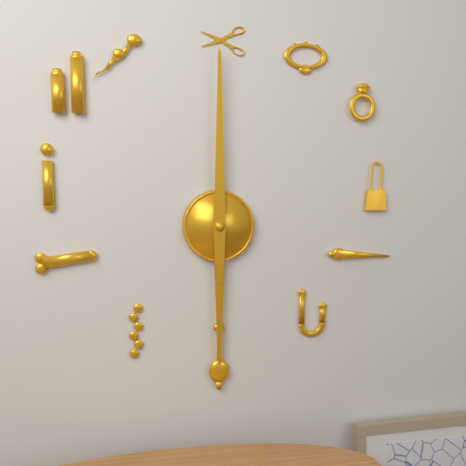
6:00
